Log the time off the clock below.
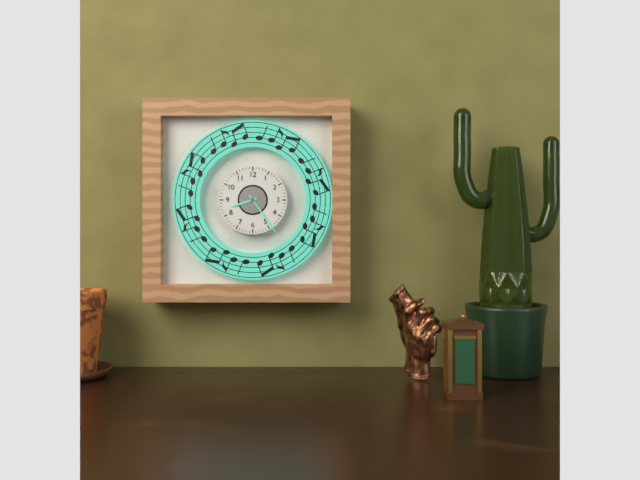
8:24
